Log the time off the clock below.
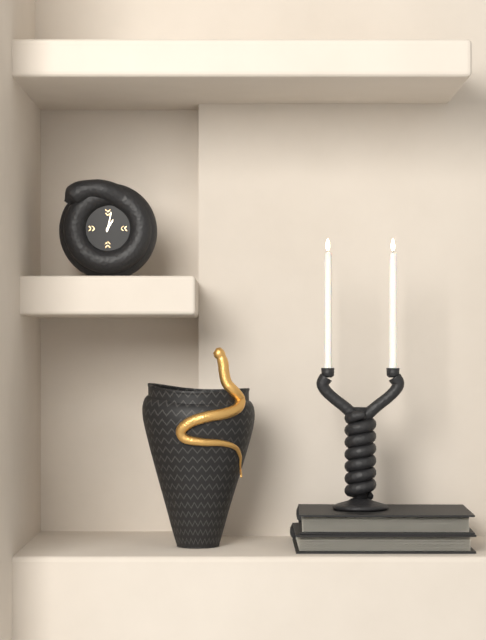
1:02
